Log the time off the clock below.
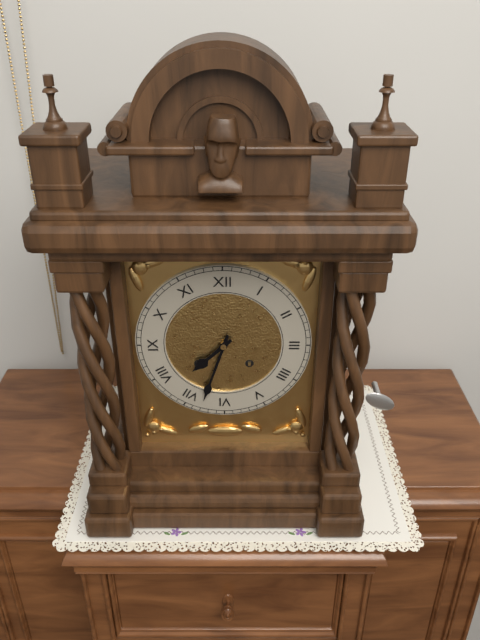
7:33
